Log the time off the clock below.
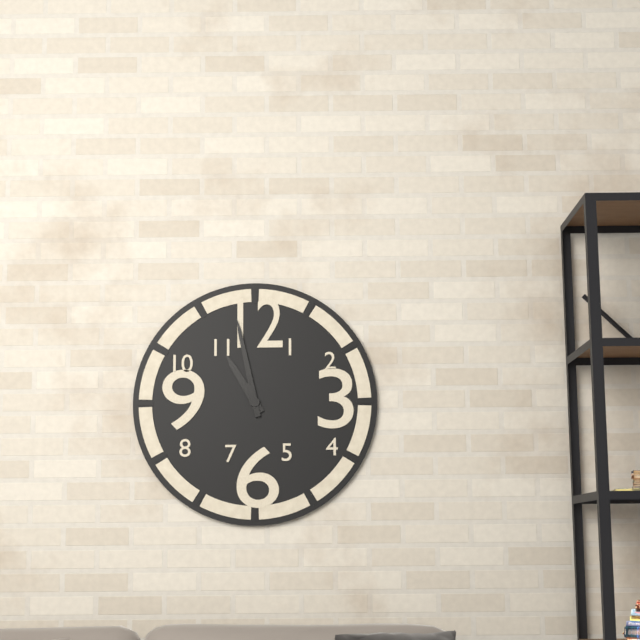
10:58
